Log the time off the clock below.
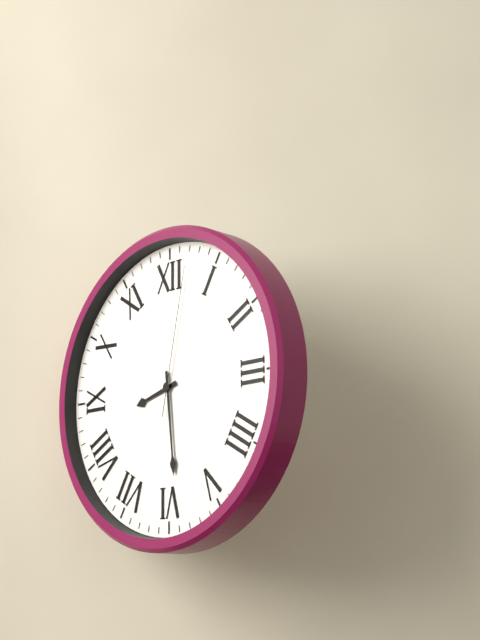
8:29:02
